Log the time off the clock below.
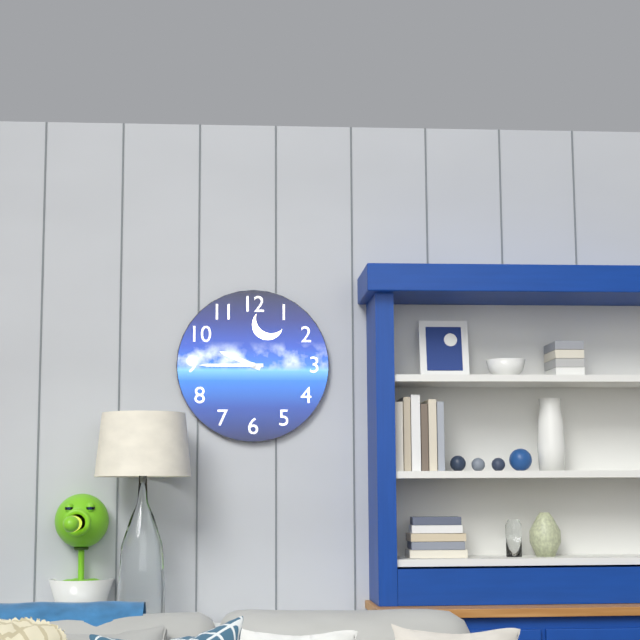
9:45
